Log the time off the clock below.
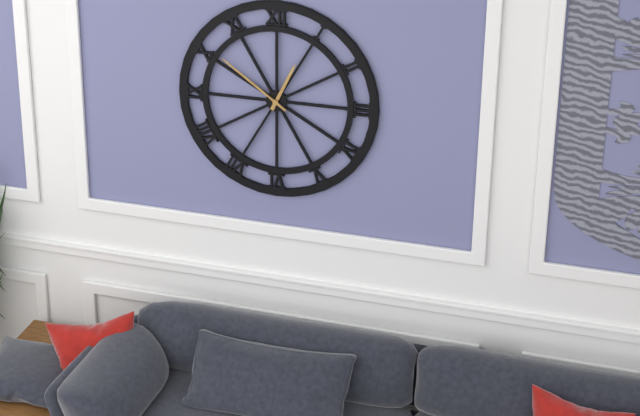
12:51
